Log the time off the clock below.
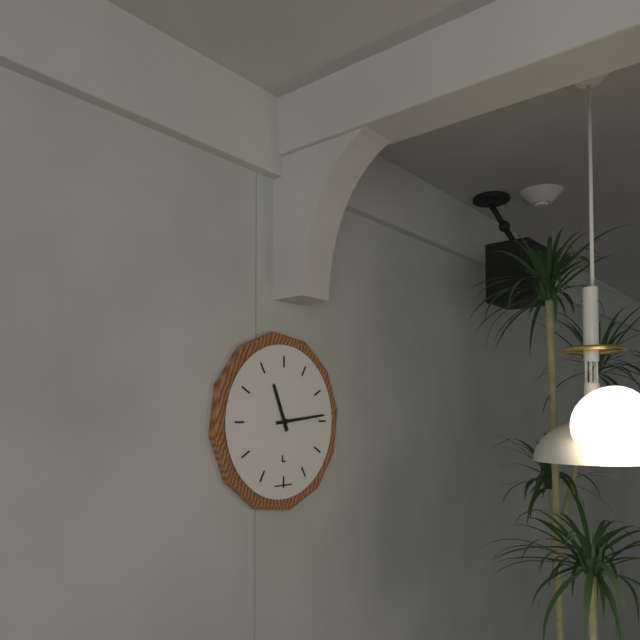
11:14
